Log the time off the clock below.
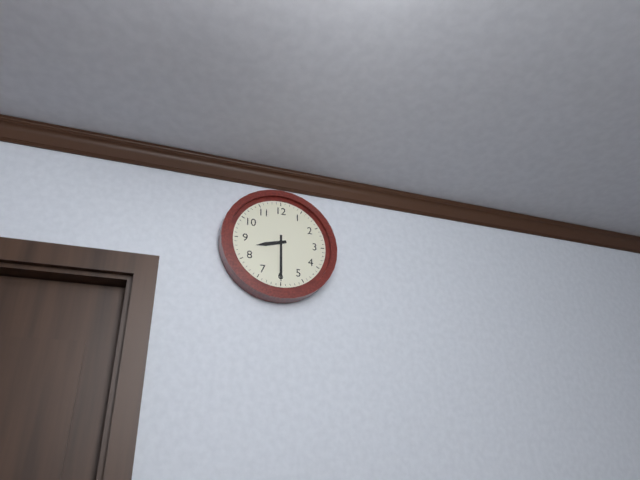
8:30
